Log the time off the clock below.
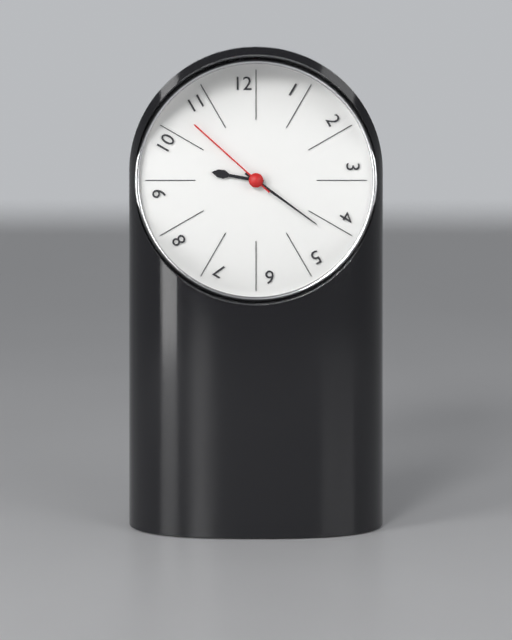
9:21:52
